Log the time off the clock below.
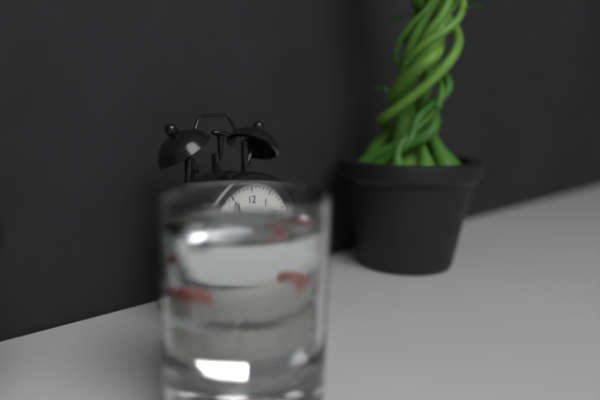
9:55
